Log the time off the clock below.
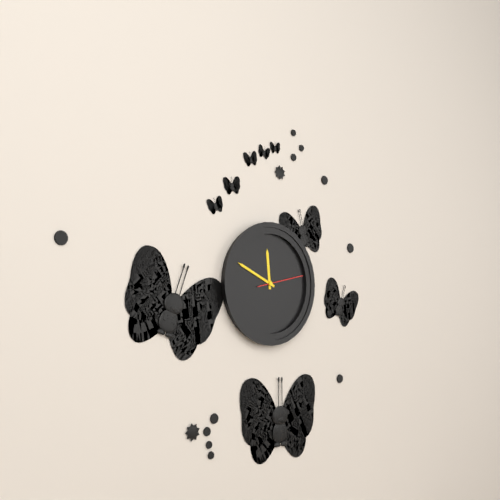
11:49
